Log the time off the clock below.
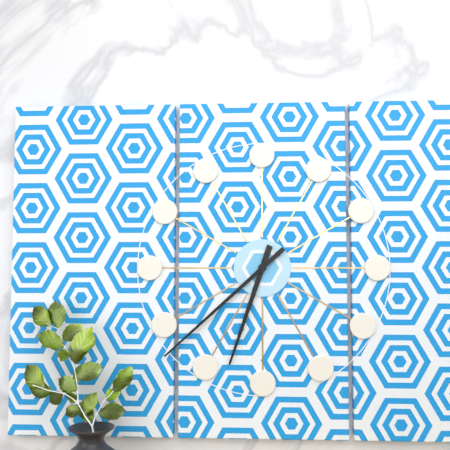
6:38
